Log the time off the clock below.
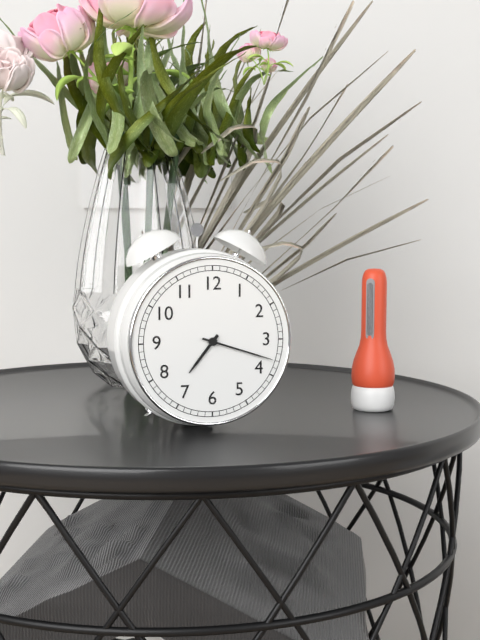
7:18
